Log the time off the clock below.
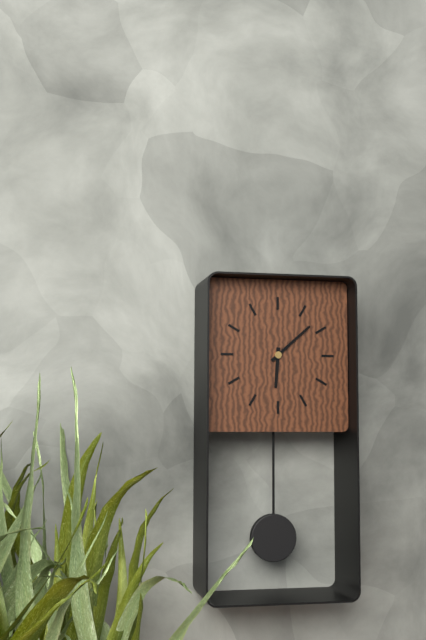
6:08
